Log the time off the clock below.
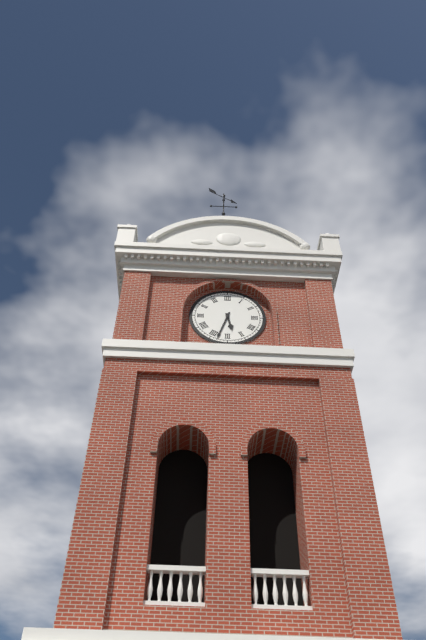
5:33
